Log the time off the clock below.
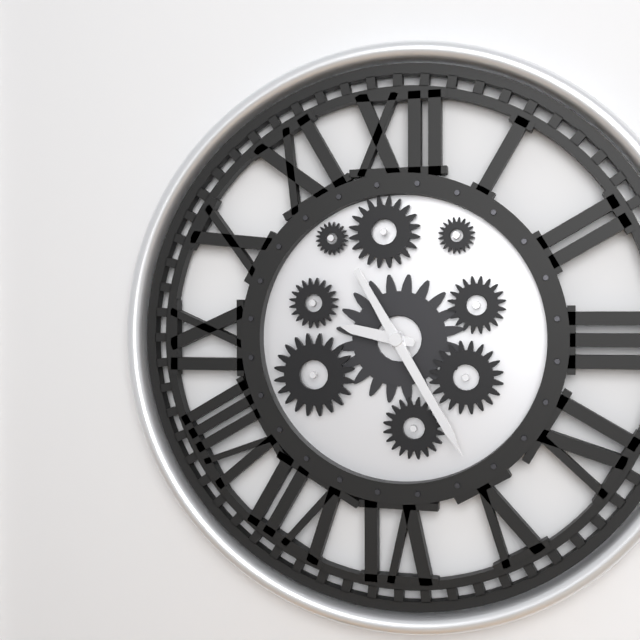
9:25
